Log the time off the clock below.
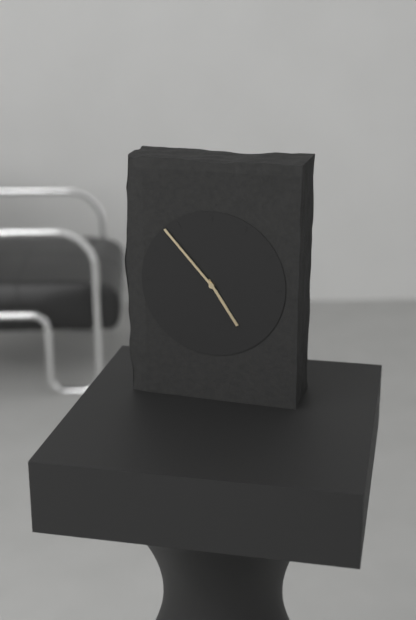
4:53
